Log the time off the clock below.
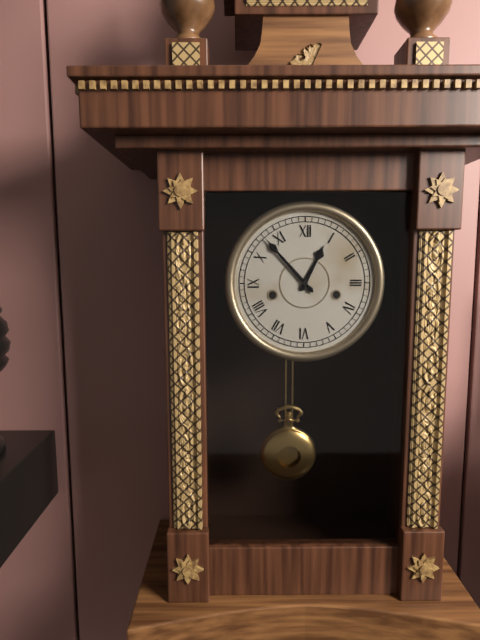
12:53
